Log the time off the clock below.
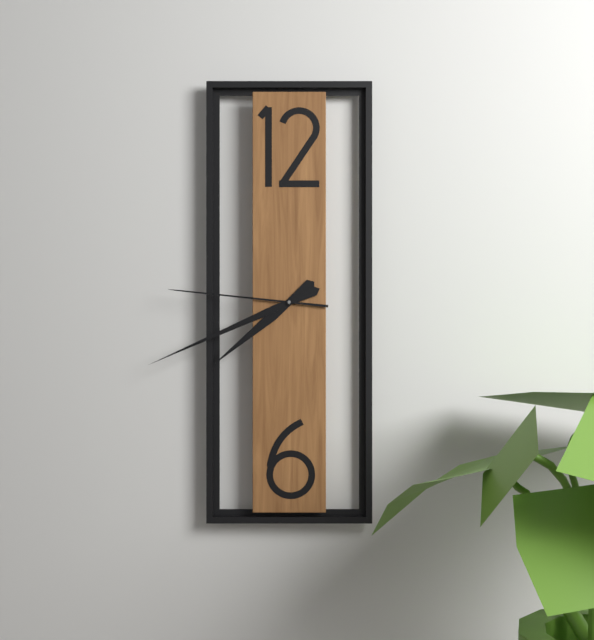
7:41:46
